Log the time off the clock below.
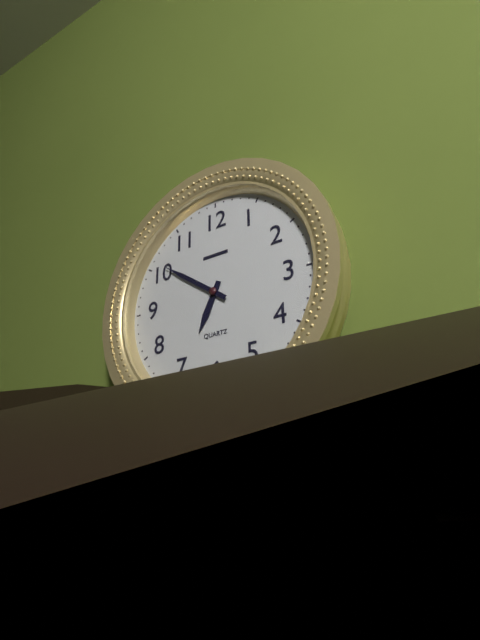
6:51
